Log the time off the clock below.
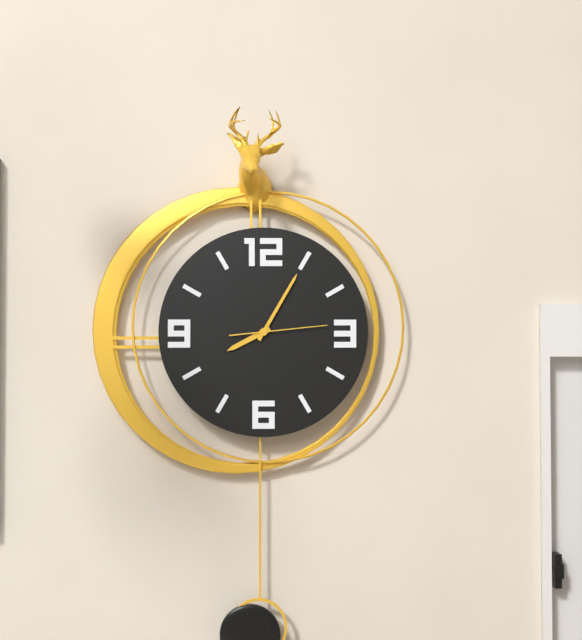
8:05:14
